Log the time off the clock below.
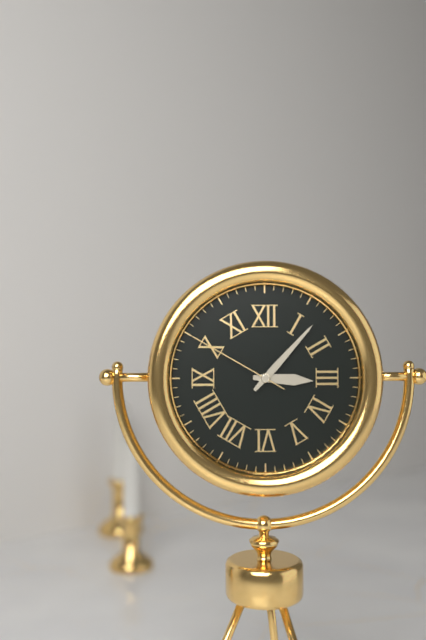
3:07:50
